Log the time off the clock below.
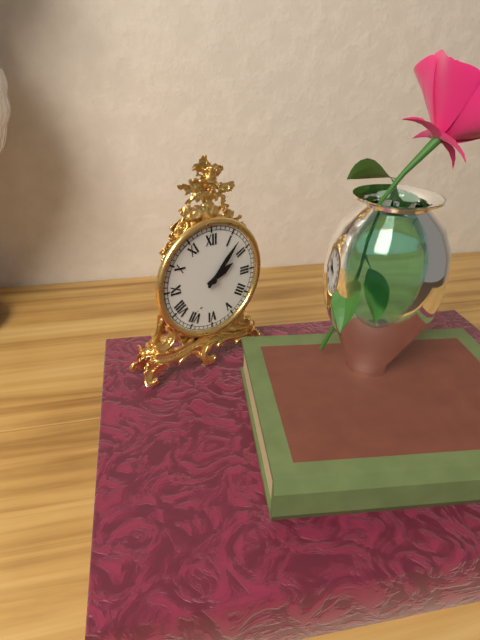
2:07
